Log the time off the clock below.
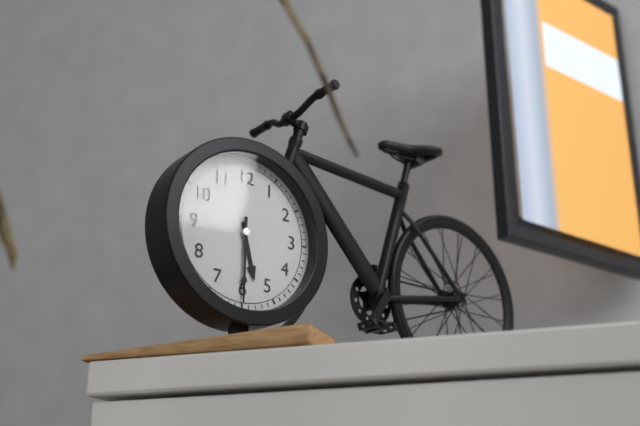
5:30
